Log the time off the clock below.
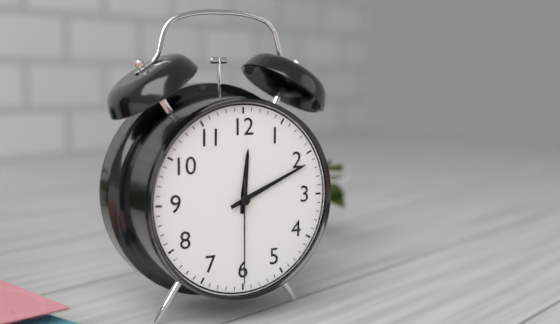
12:11:30
